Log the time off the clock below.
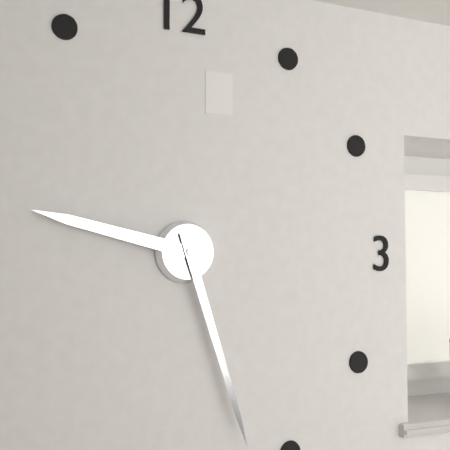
9:27
